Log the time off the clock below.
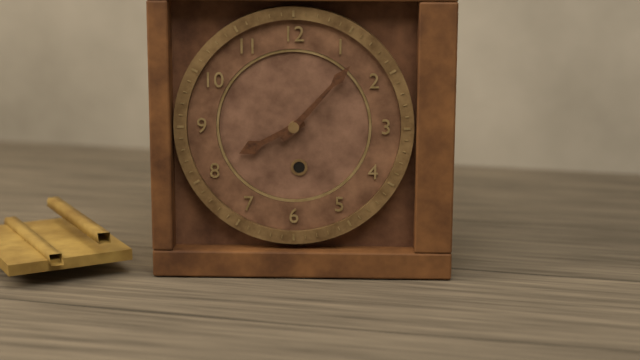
8:07
